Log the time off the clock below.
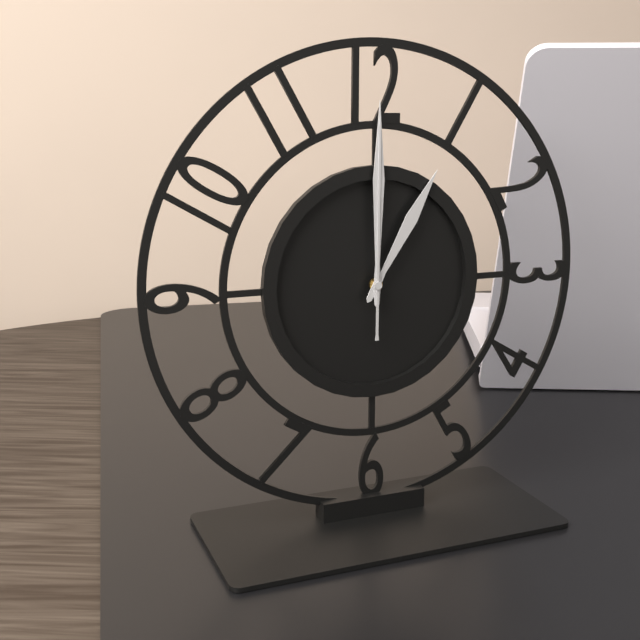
1:00:00
